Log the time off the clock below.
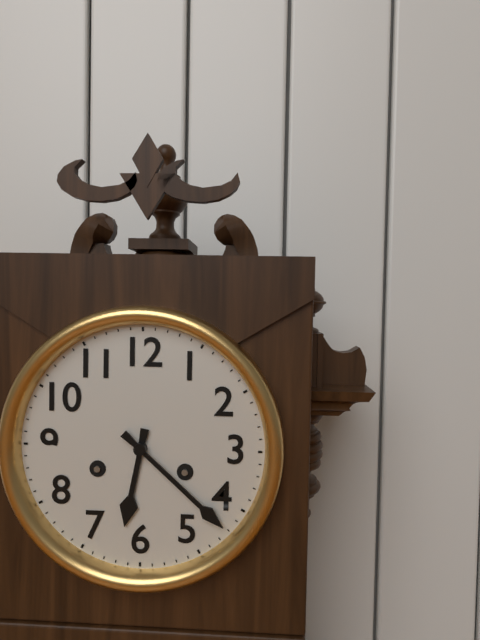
6:22
